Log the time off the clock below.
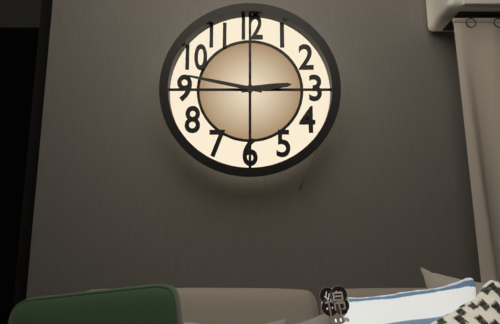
2:47
